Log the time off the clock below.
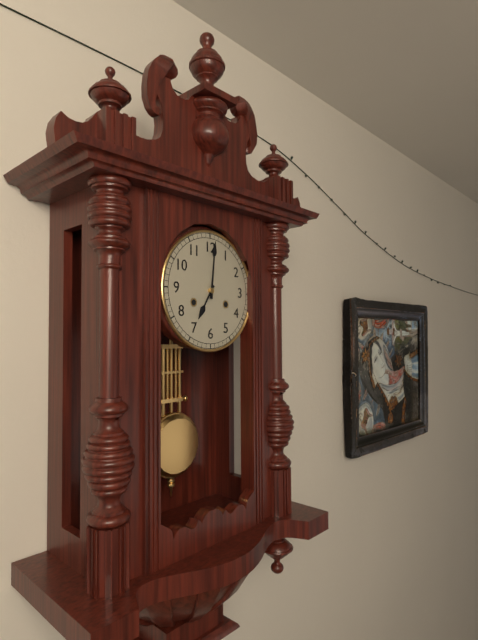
7:01
